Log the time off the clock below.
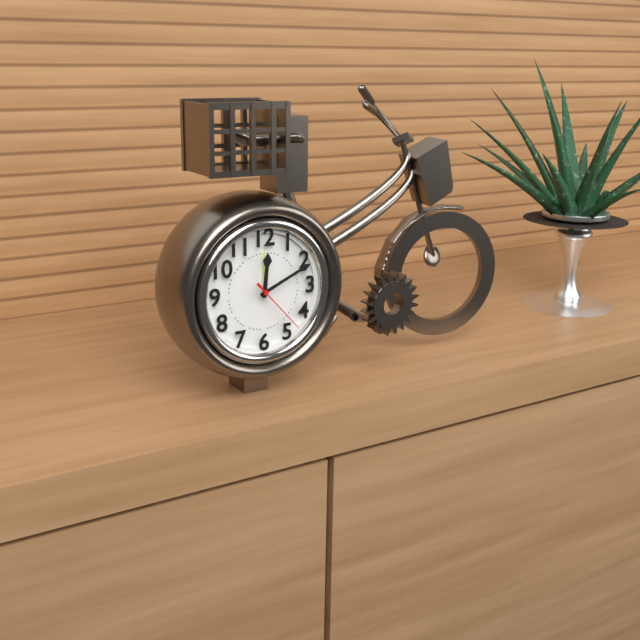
12:11:23
